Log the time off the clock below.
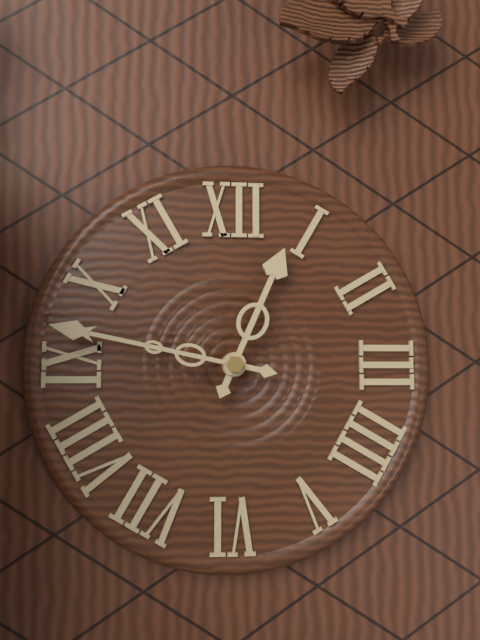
12:47
